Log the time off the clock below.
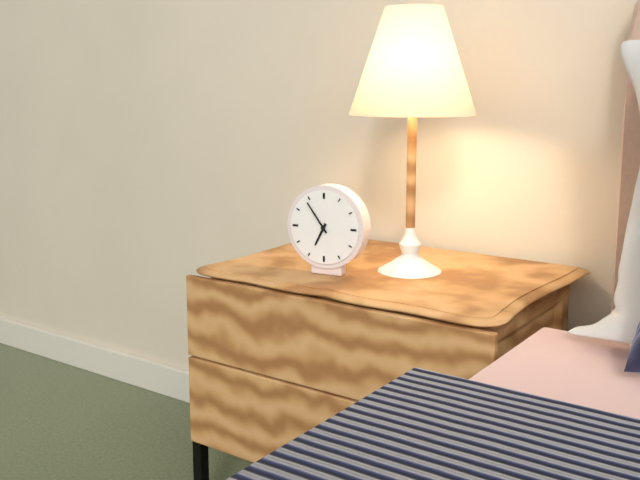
6:54
